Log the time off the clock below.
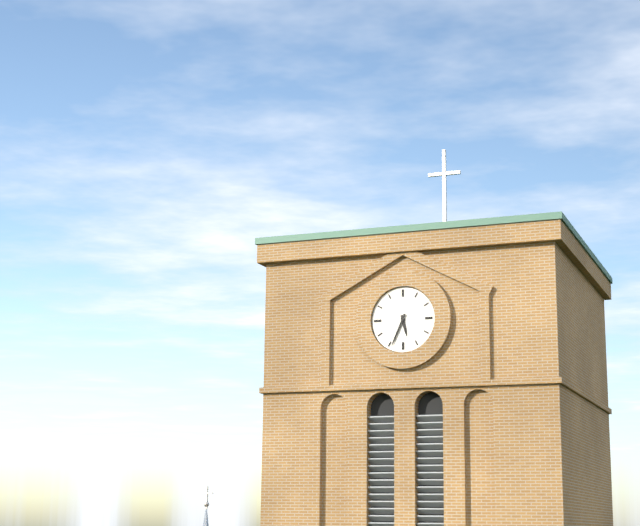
5:34
